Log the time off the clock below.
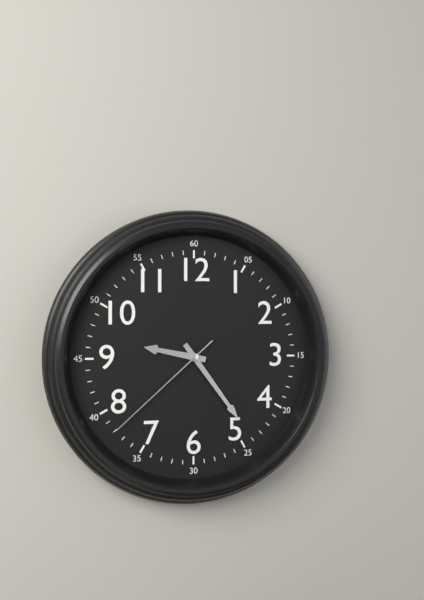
9:24:38
